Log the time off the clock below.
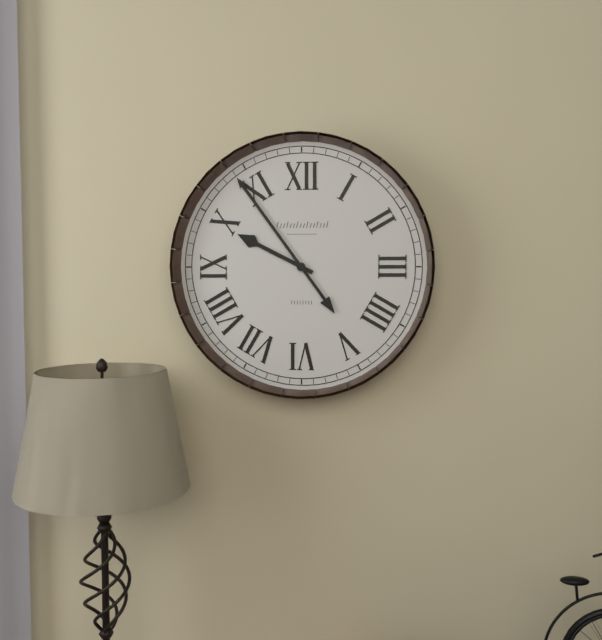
9:54
